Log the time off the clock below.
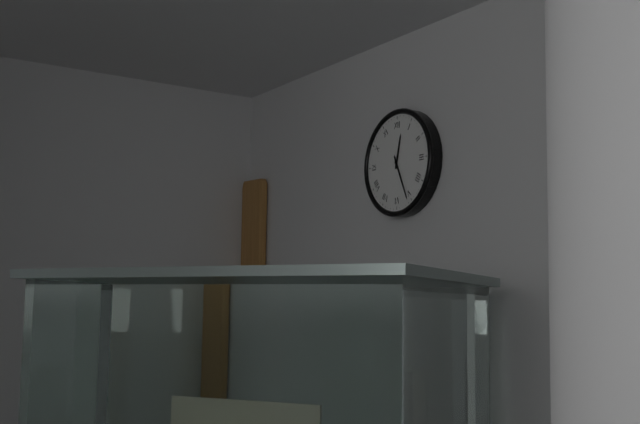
12:26
